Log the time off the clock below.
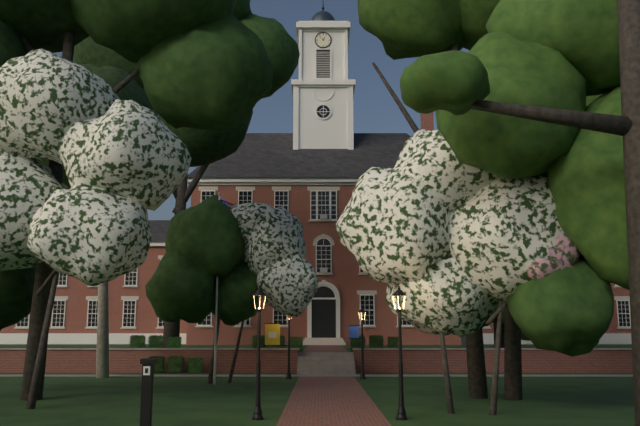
12:53
